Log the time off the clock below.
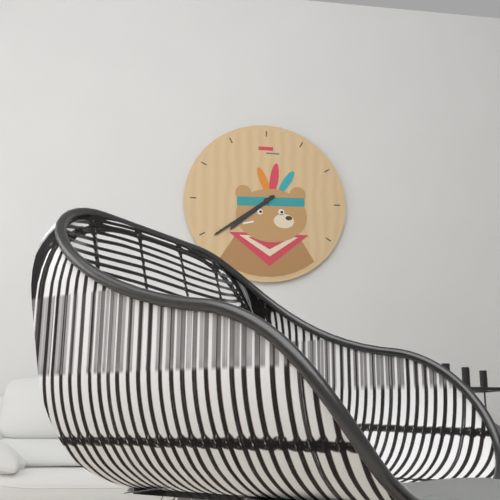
7:39
